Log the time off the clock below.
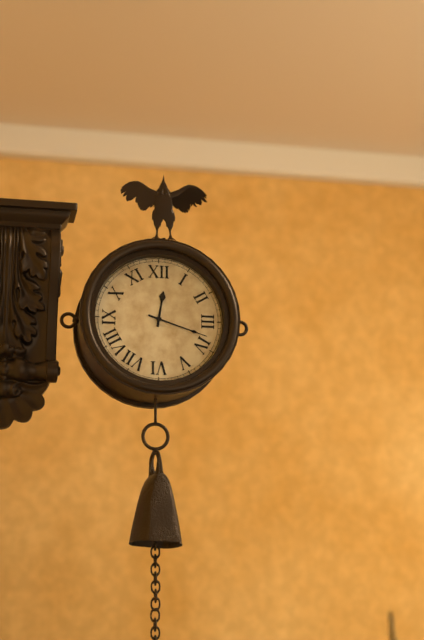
12:18
